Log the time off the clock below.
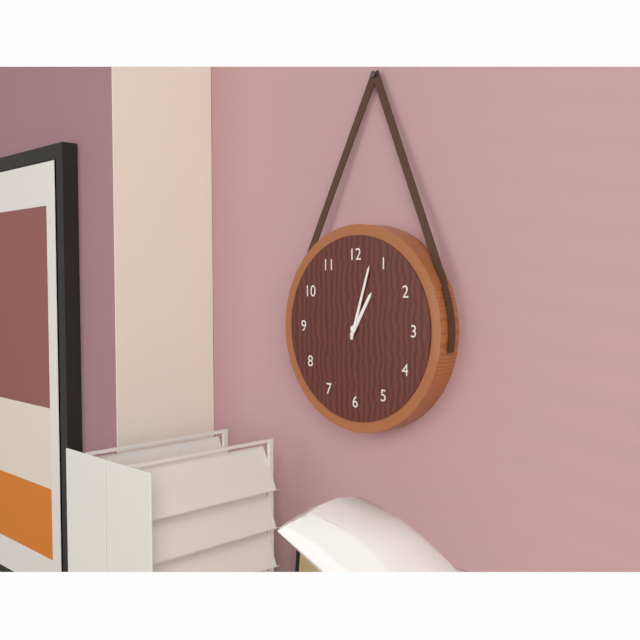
1:03
